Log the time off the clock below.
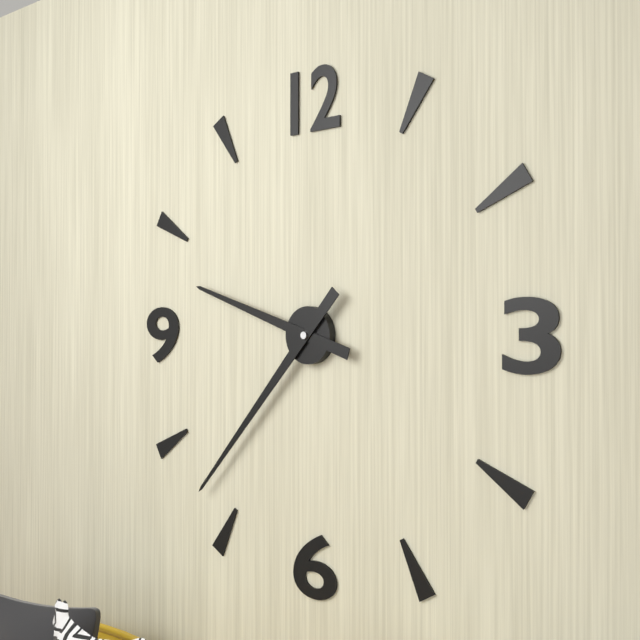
9:37
